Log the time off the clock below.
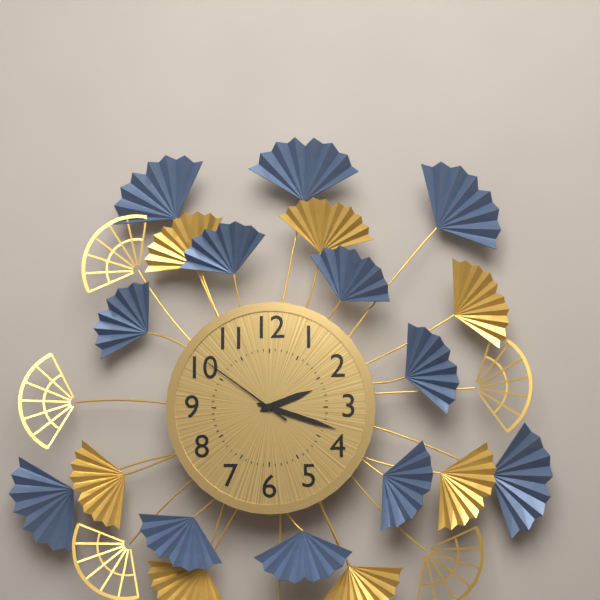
2:18:51
